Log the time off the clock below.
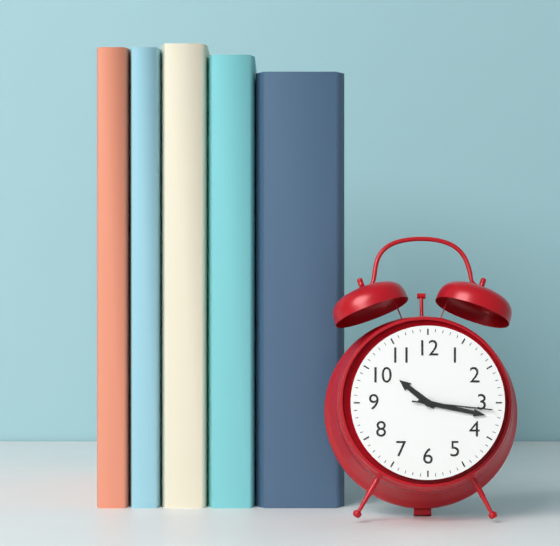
10:17:16
